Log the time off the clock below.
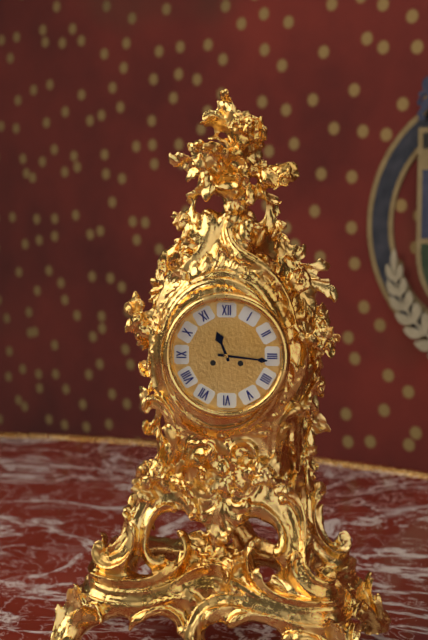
11:16
